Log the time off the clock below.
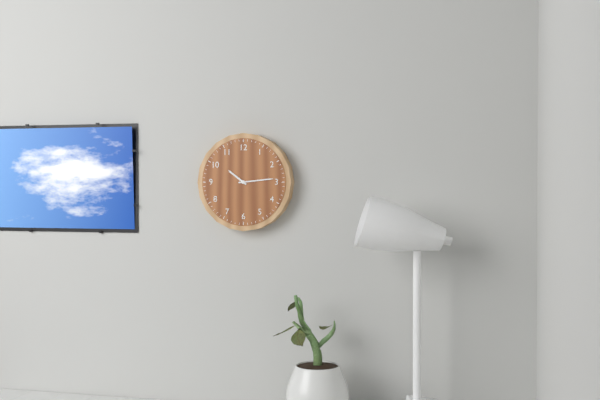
10:14
